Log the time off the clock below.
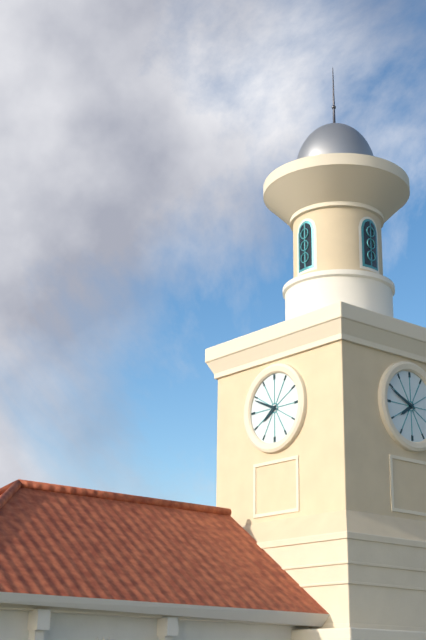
7:49
